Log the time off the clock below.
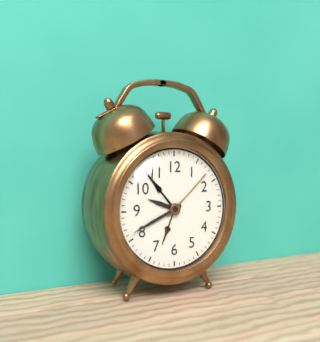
9:41
